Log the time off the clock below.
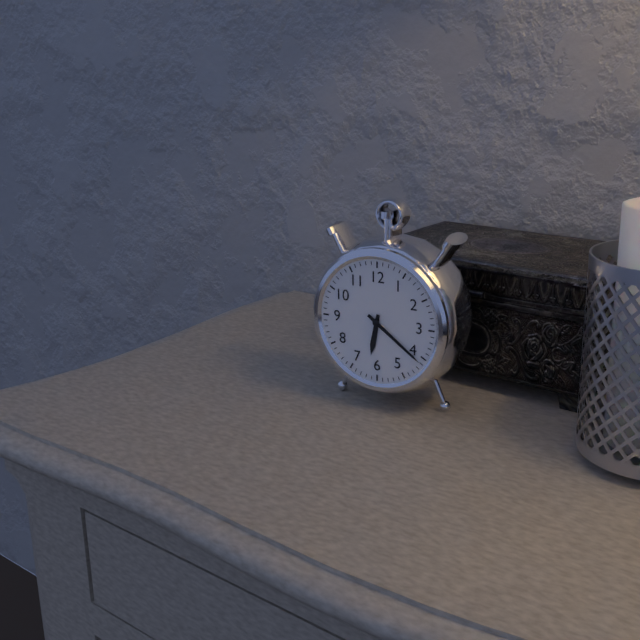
6:21
